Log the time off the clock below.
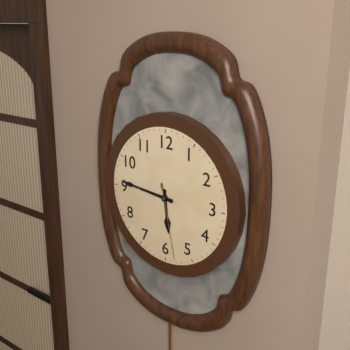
5:46:28
